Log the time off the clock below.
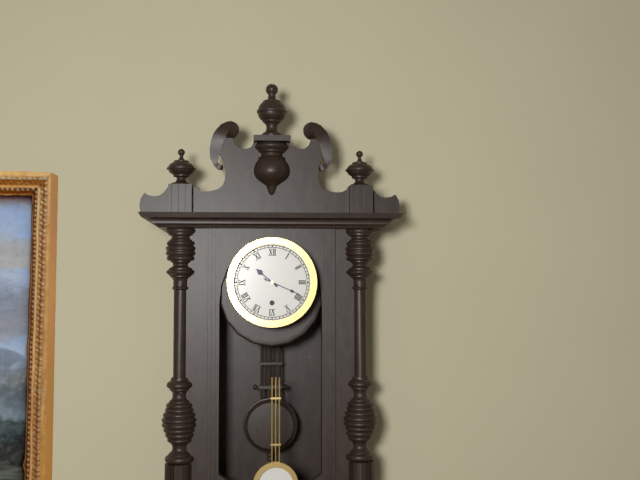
10:19
